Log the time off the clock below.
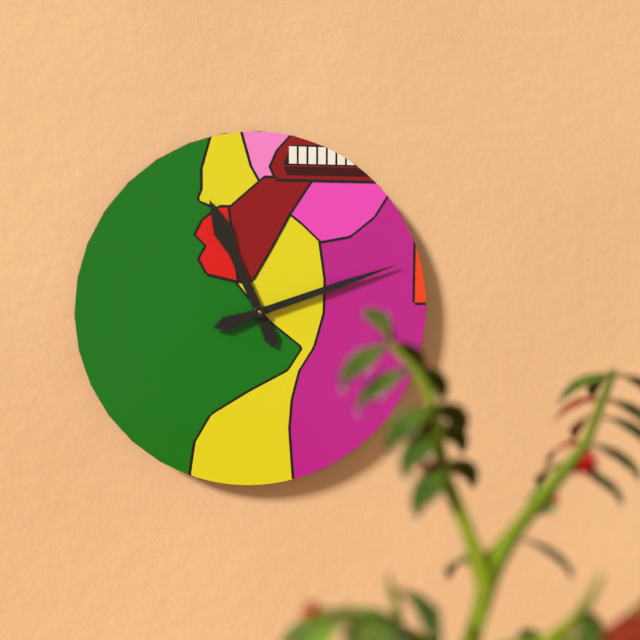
11:12
